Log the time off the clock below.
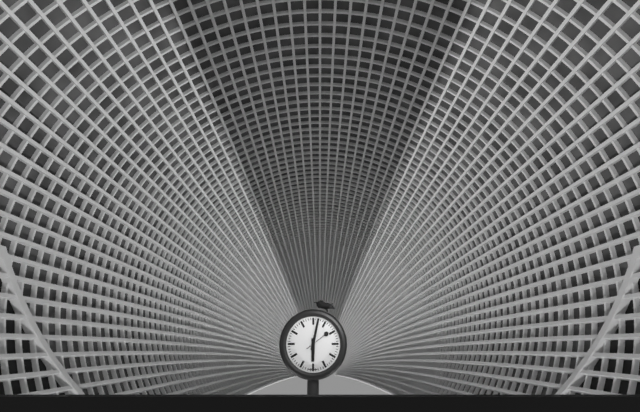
6:02
